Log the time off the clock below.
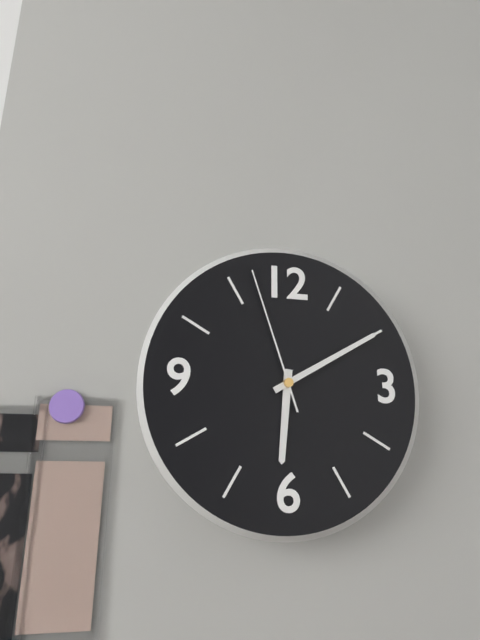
6:10:57
